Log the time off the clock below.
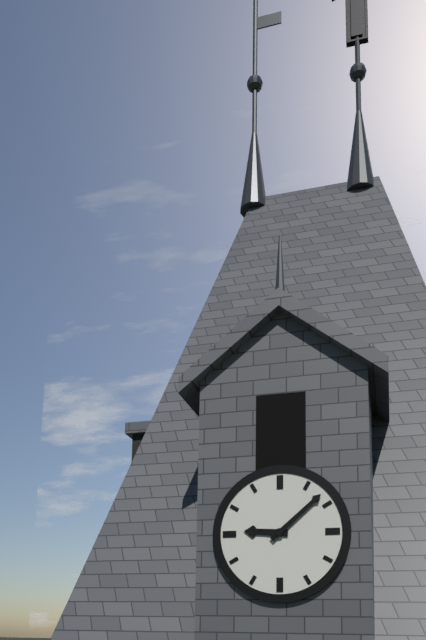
9:08
